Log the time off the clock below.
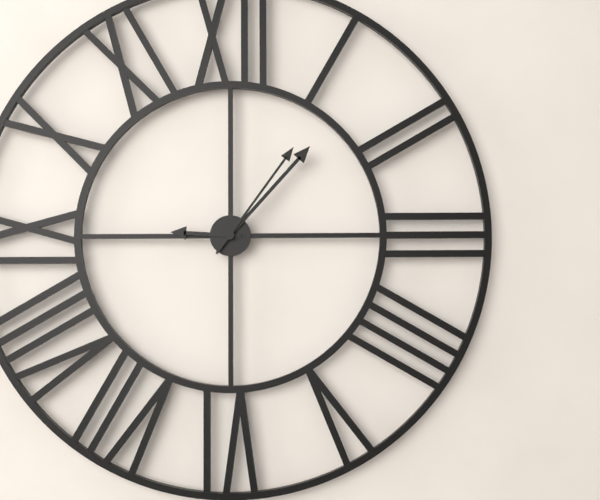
9:07:06
